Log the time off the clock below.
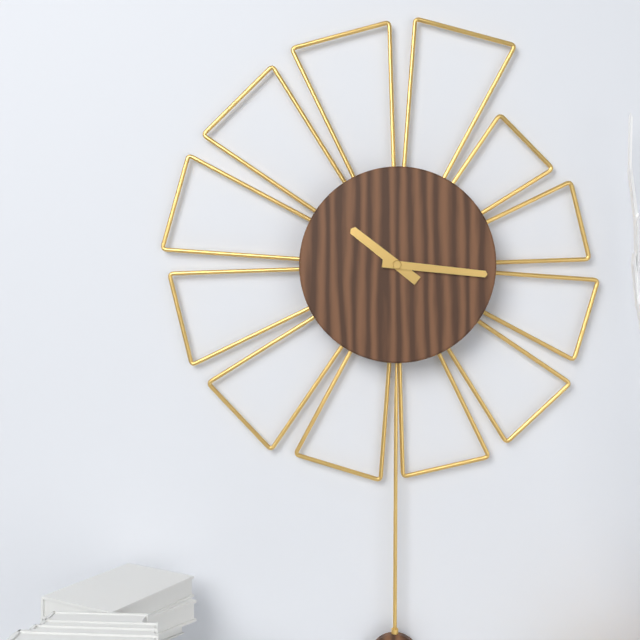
10:16
